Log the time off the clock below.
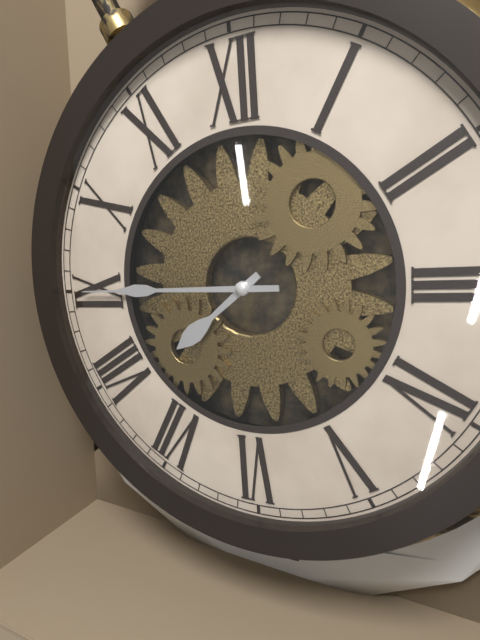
7:45
